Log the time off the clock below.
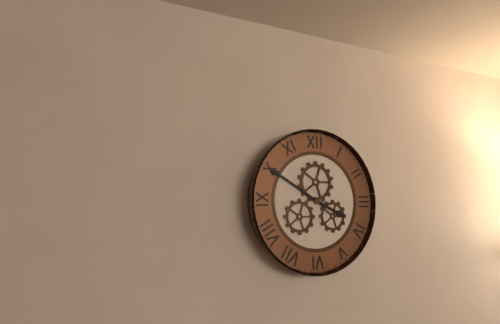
3:50
